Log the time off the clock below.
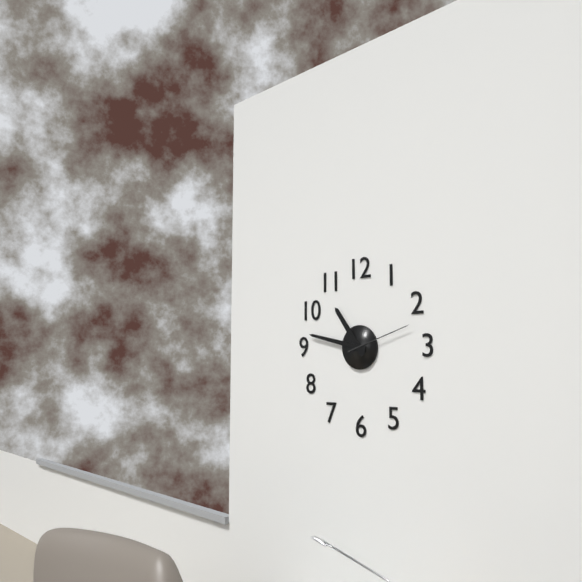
10:47:12
